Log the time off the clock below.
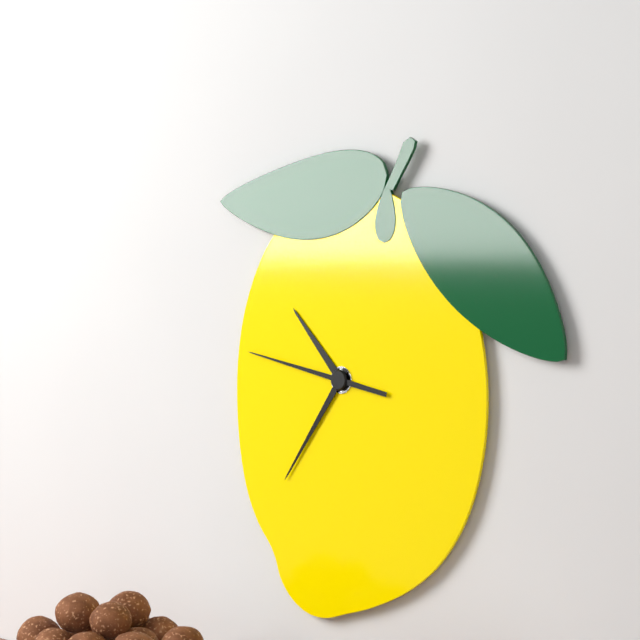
10:36:47
